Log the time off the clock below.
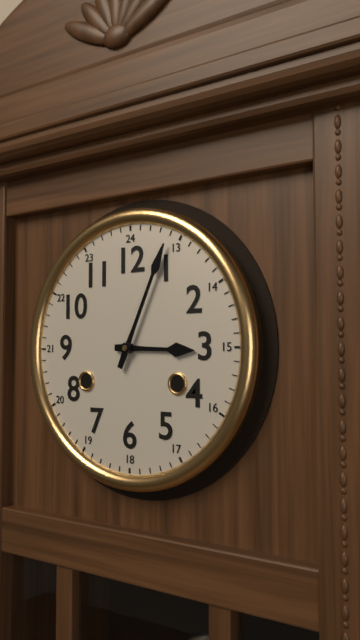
3:04
